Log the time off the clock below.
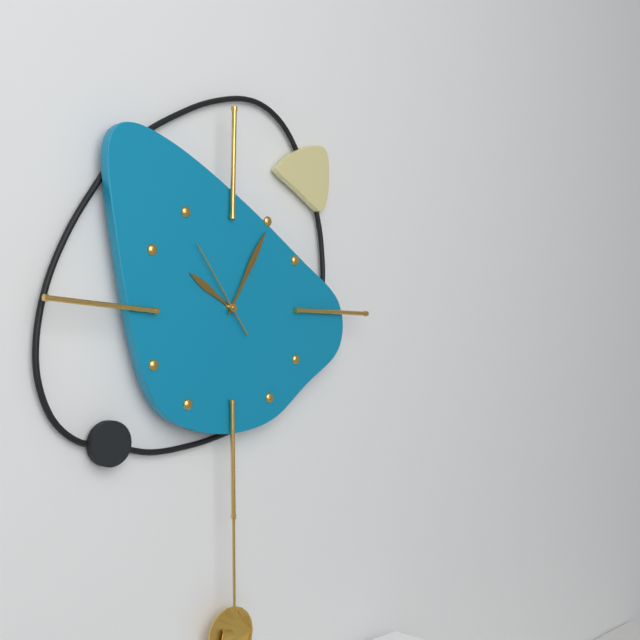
10:05:54
